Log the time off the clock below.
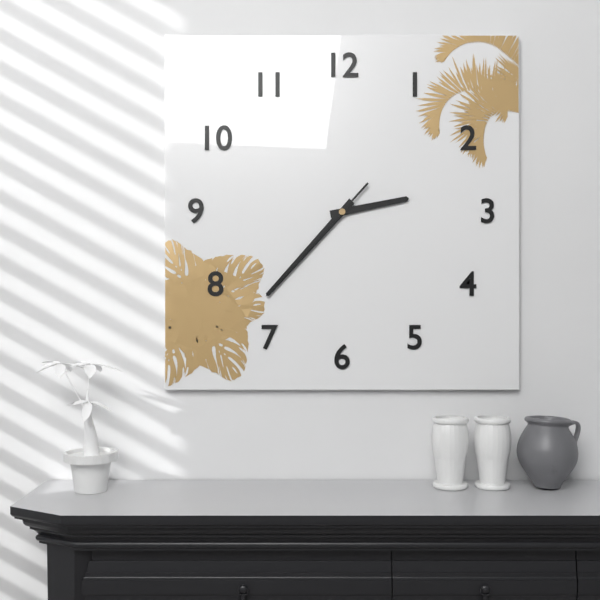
2:37:37
